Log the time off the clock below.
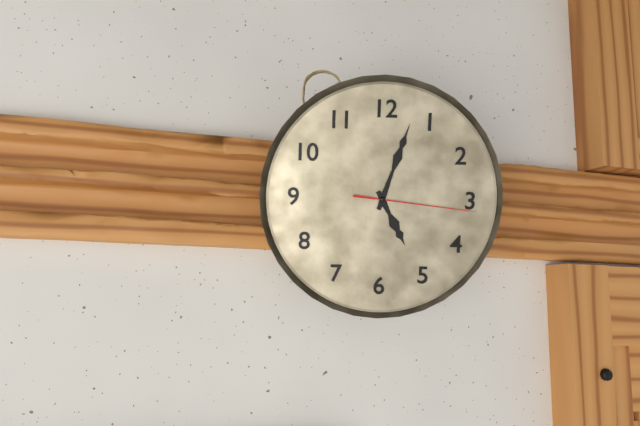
5:03:16
